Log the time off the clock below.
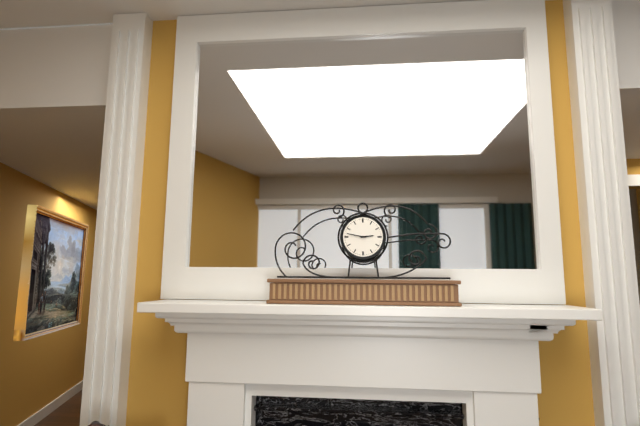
2:47
